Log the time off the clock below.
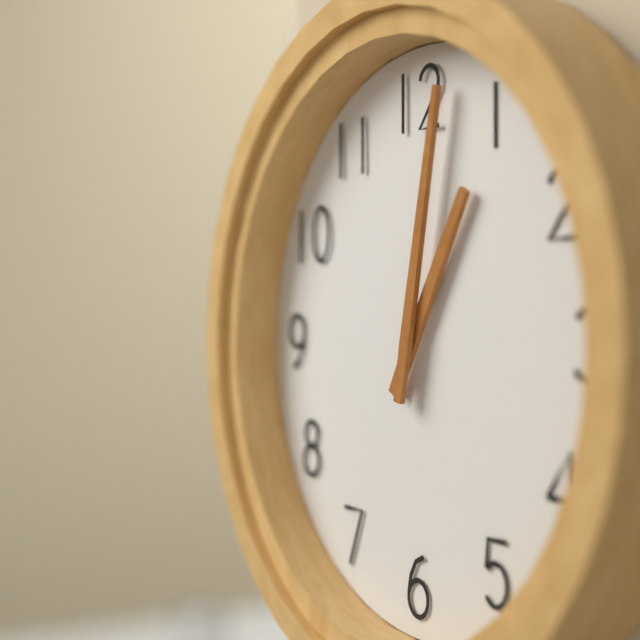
1:02
